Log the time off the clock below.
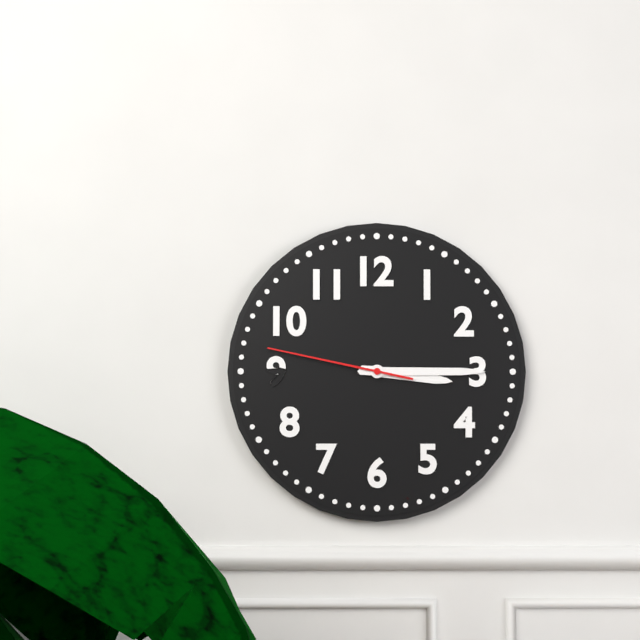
3:15:47
